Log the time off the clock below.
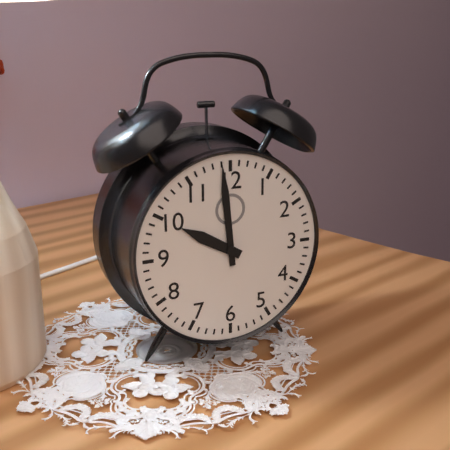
9:59
